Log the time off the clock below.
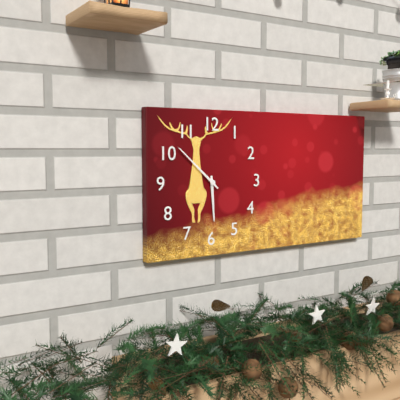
5:52
